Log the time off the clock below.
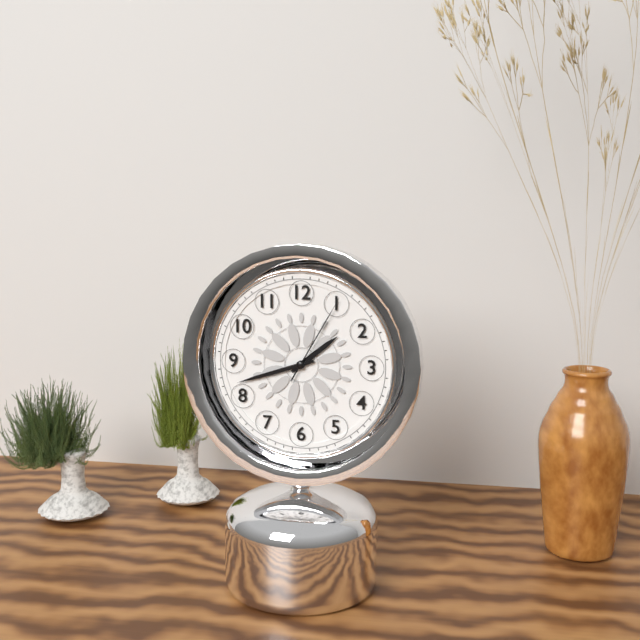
1:42:05
